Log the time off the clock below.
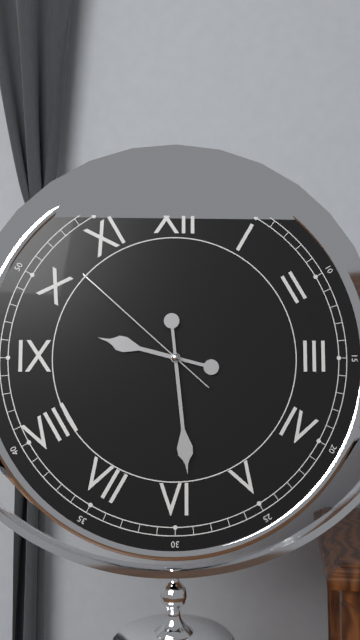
9:29:52
